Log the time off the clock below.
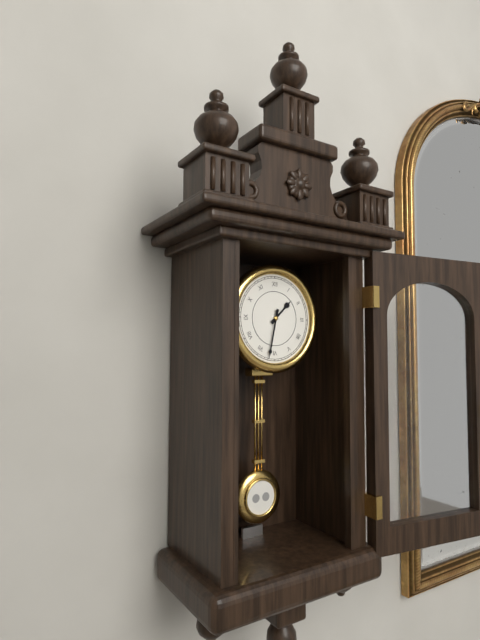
1:32
